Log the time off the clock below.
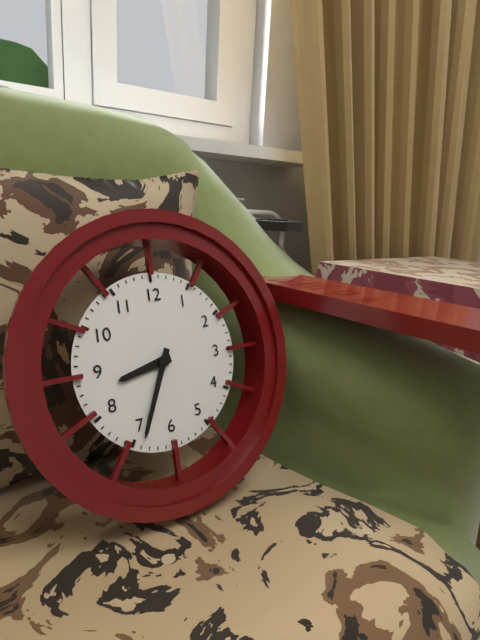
8:34
